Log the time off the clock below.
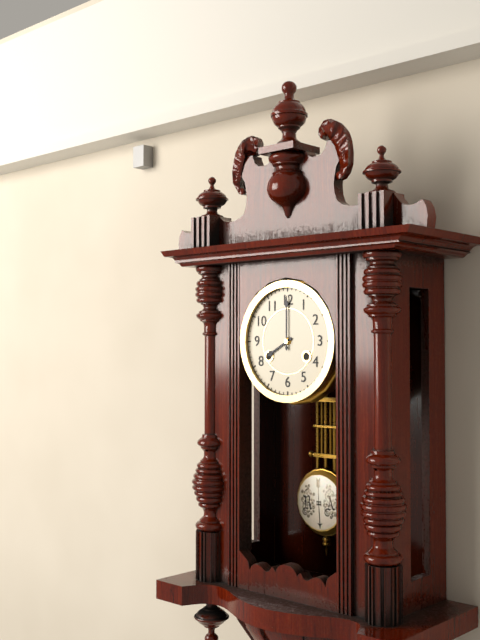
8:00
